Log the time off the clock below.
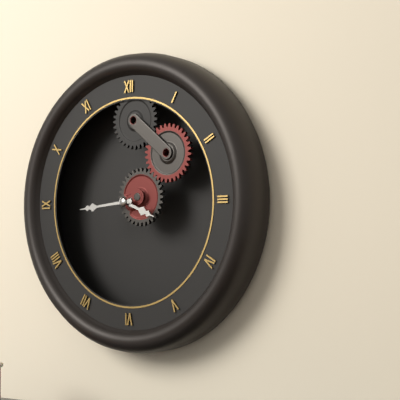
3:44
